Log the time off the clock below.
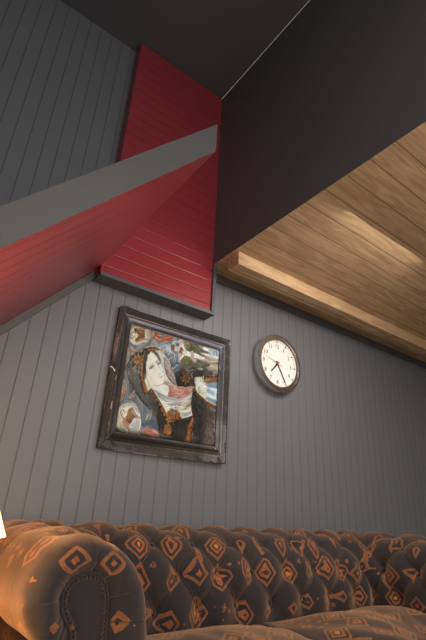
7:25
